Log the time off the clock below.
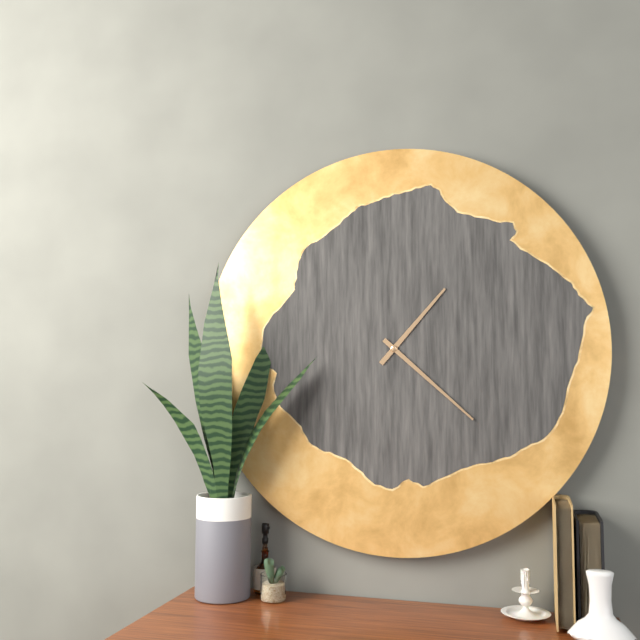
1:22
